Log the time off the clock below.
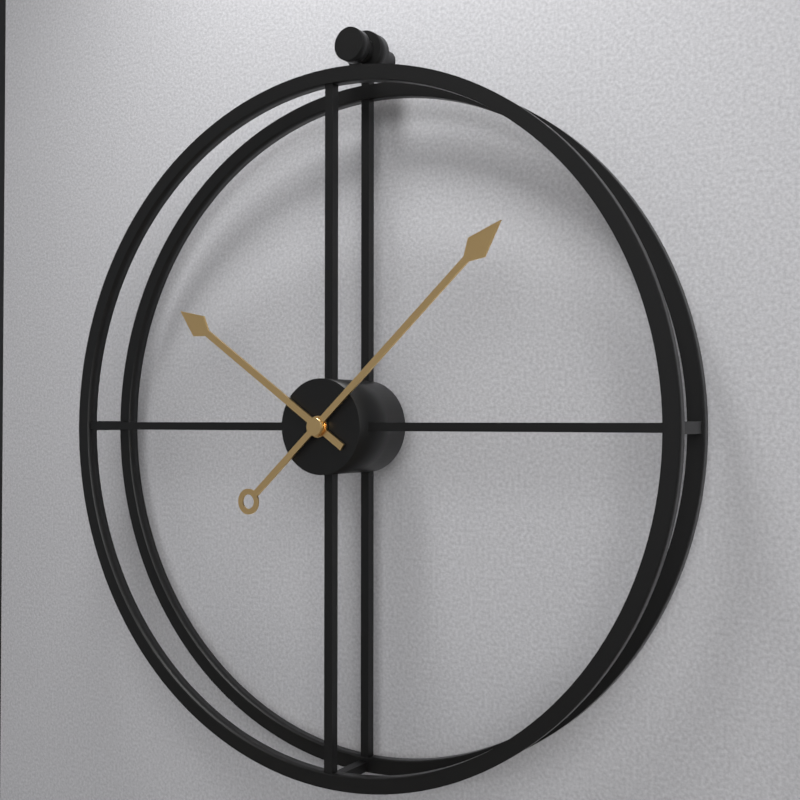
10:08
